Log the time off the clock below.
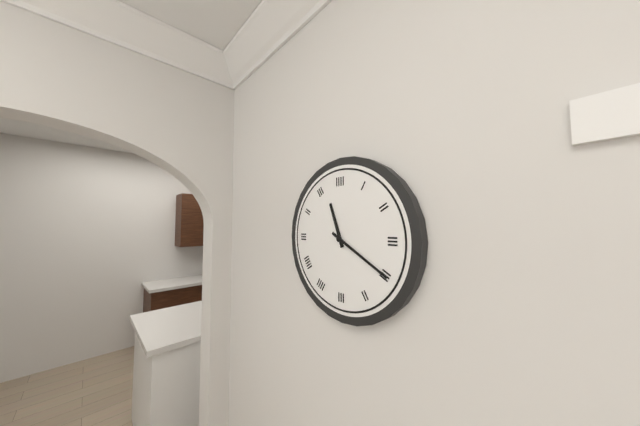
11:20
